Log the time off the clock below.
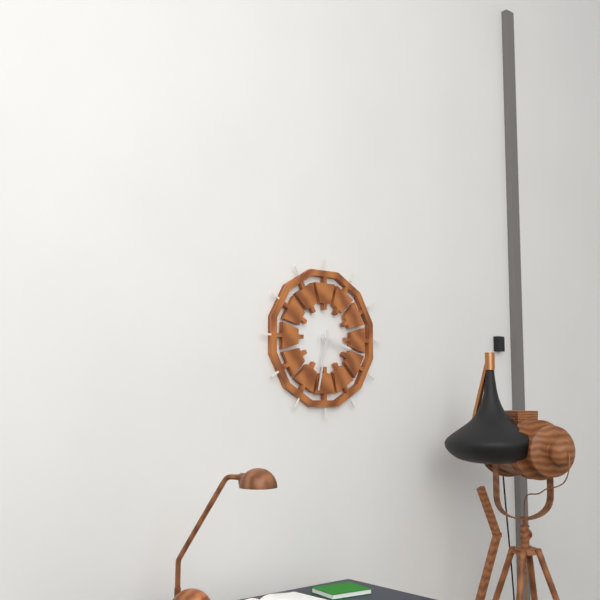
3:32
